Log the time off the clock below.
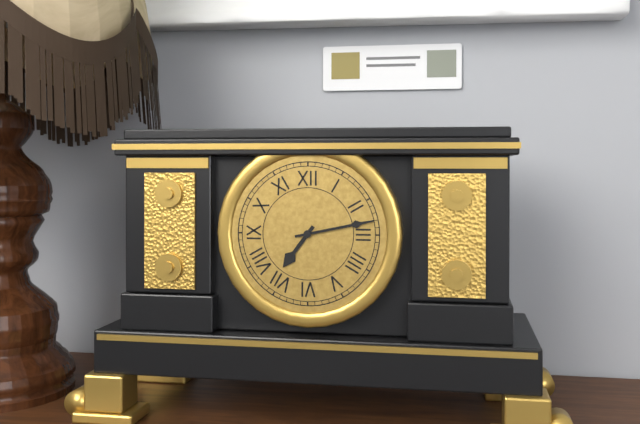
7:13
